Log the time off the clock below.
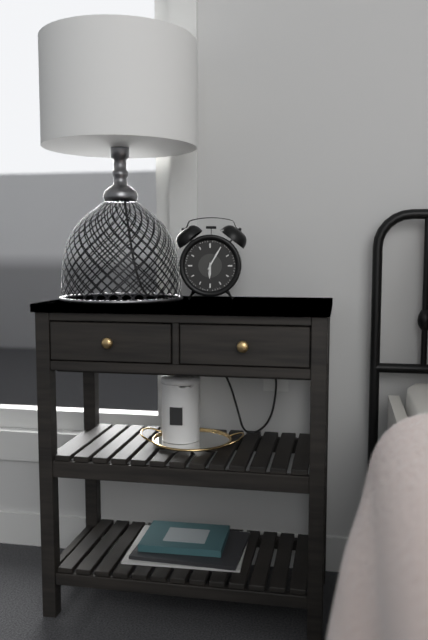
6:05
